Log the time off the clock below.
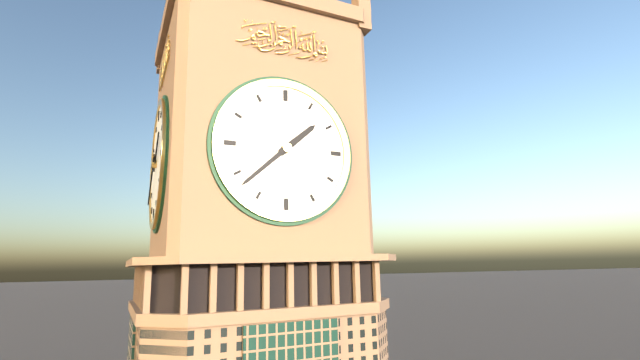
1:38
